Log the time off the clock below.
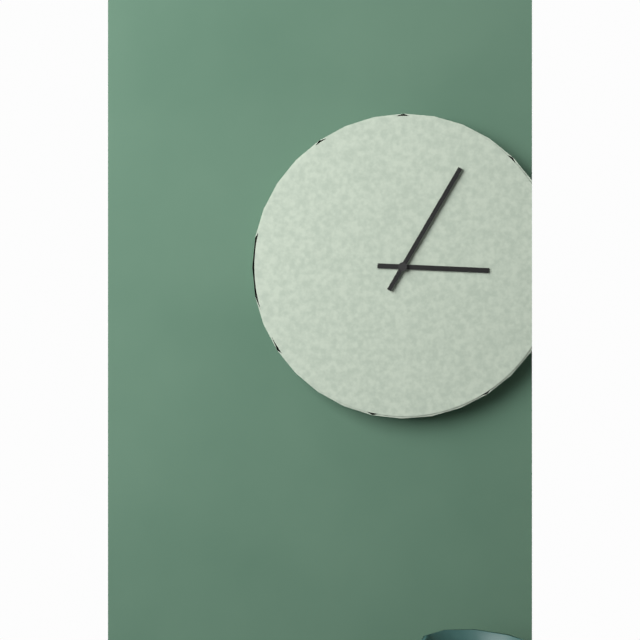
3:05
